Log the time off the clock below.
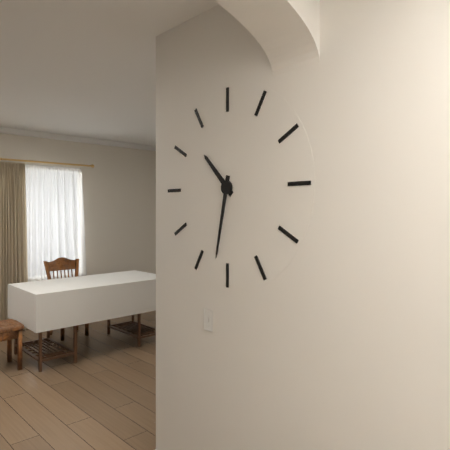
10:32
